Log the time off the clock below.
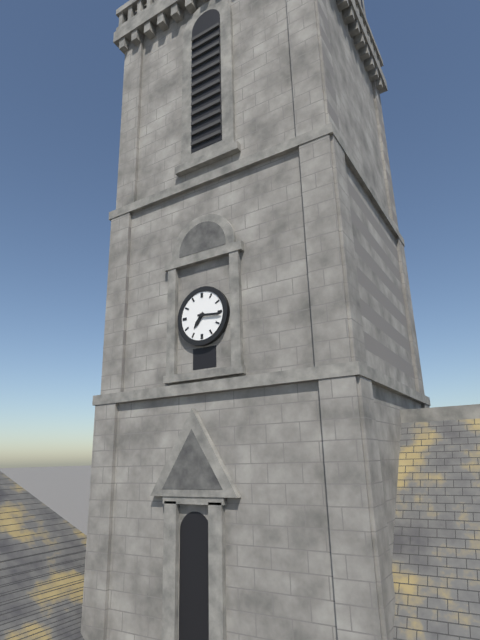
7:16
